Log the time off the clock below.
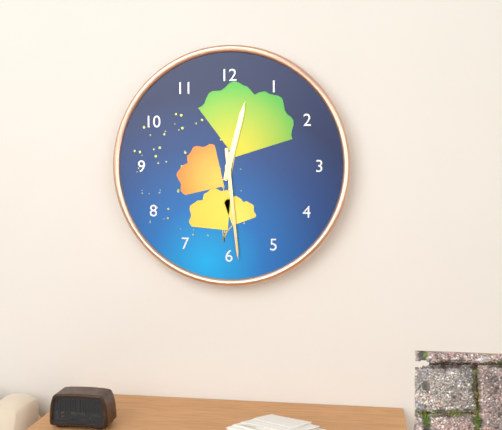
12:29
